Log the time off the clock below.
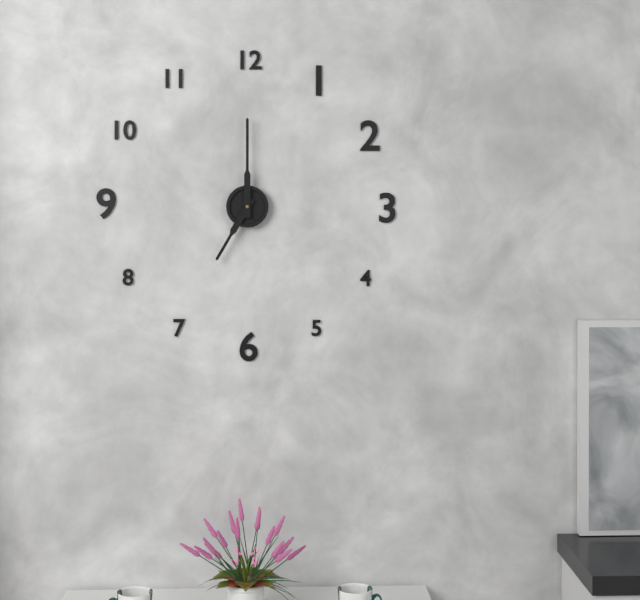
7:00
